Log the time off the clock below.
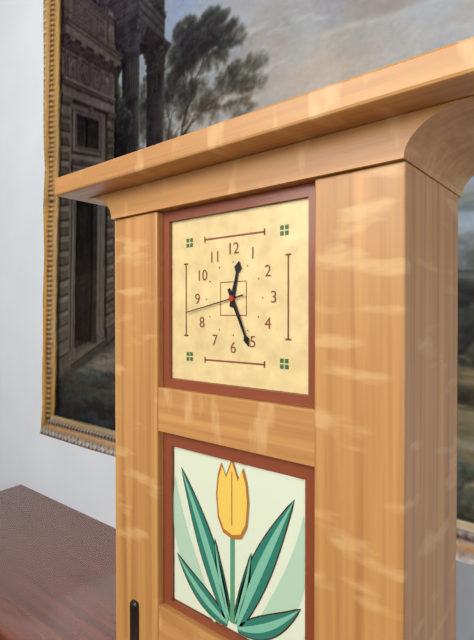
12:26:43
